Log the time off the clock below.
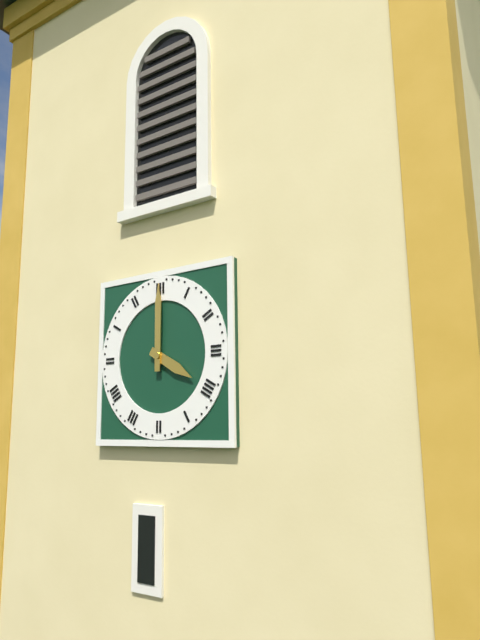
4:00
